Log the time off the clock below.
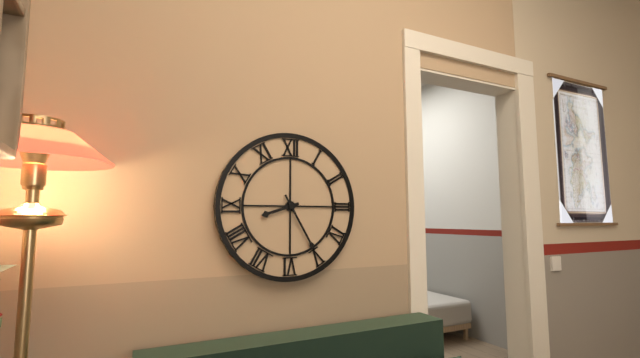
8:25
